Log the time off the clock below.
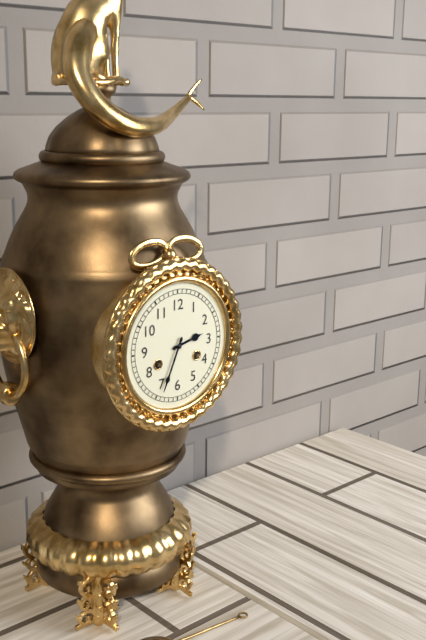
2:34
